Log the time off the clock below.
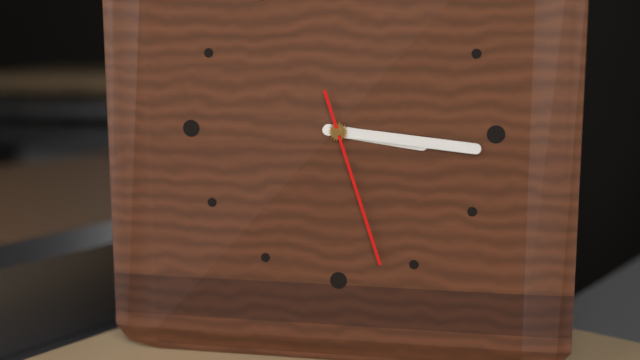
3:16:27
